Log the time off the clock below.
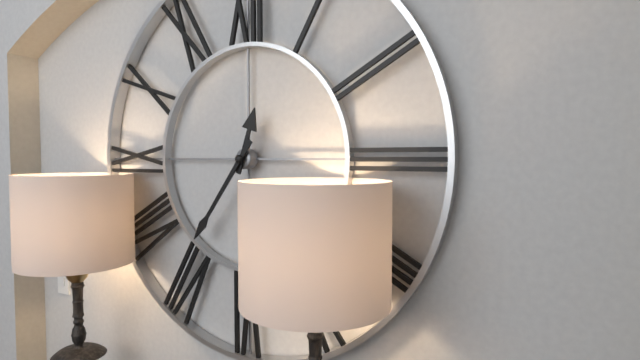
12:36
